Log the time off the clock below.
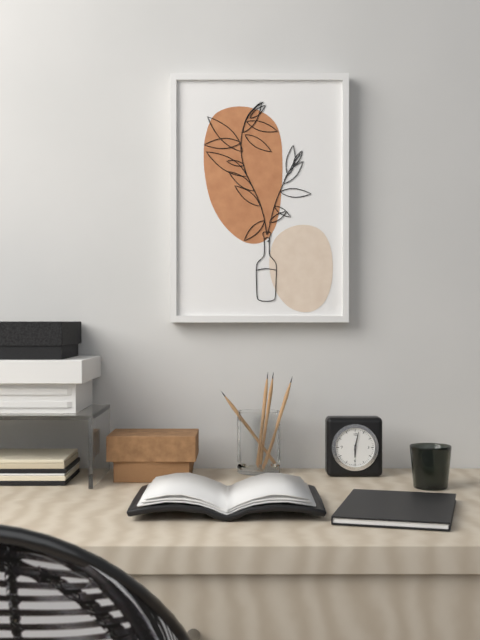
6:02
